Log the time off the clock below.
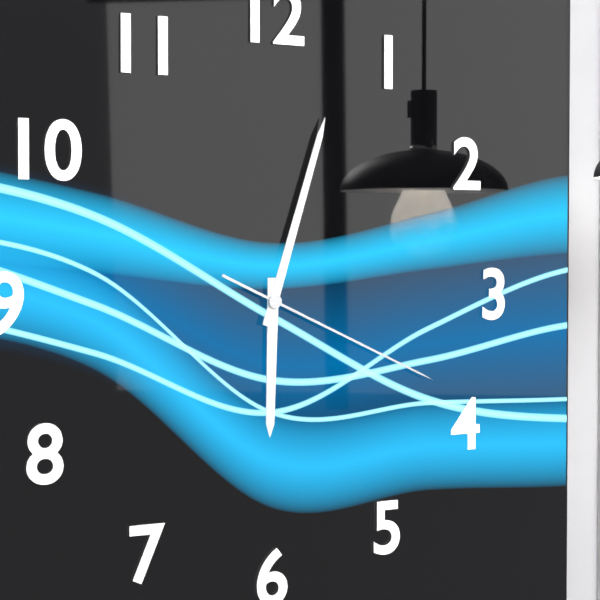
6:03:19
